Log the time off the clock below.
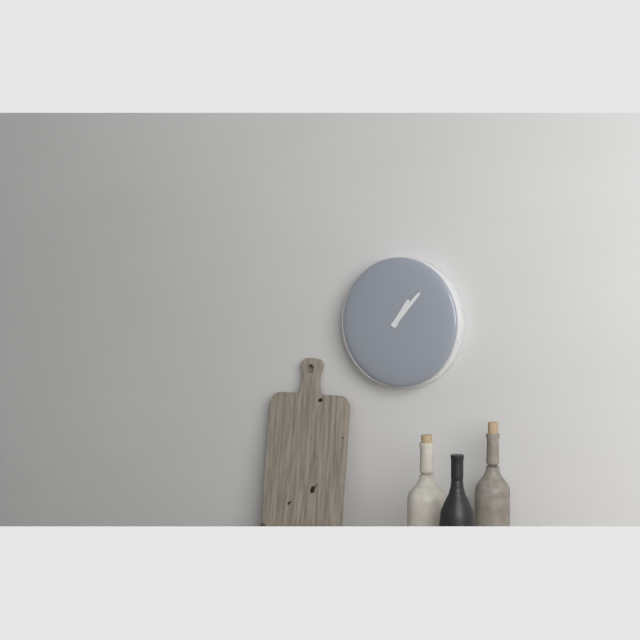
1:07
